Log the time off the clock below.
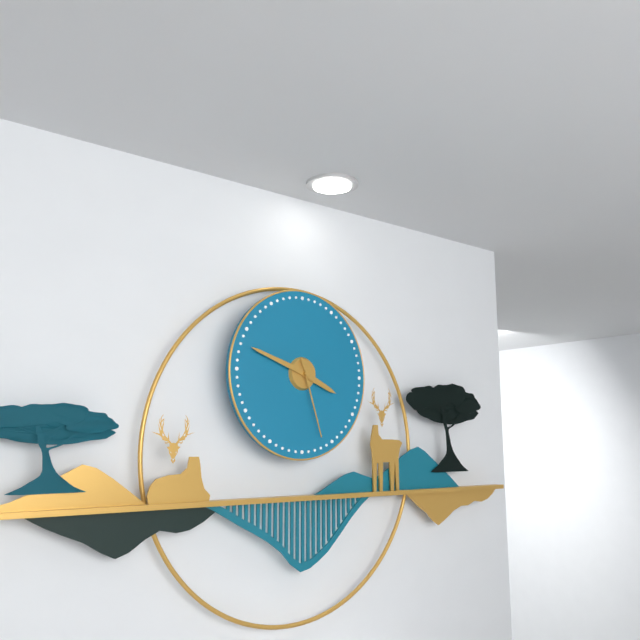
3:48:27
